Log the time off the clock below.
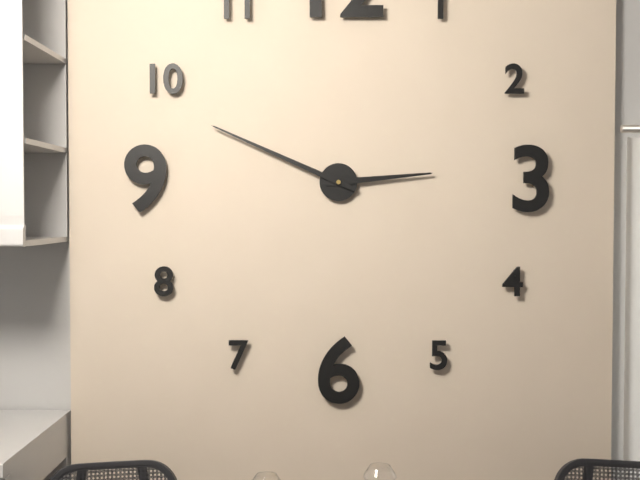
2:49
